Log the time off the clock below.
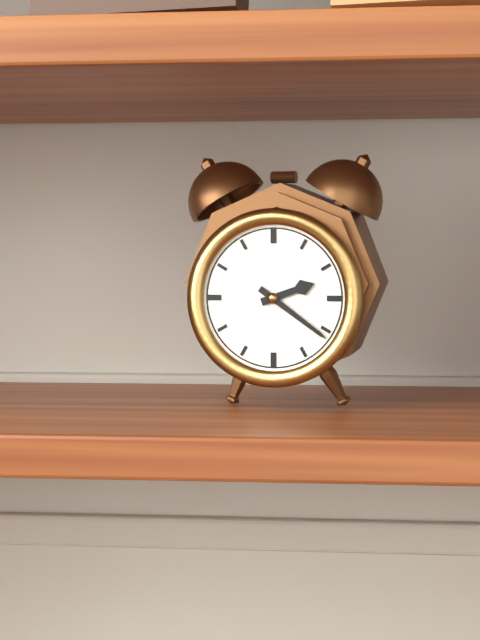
2:21
